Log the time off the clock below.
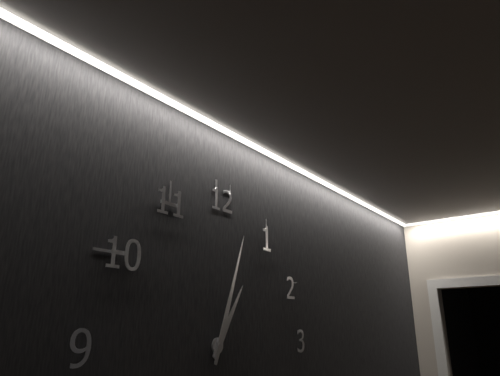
1:03
